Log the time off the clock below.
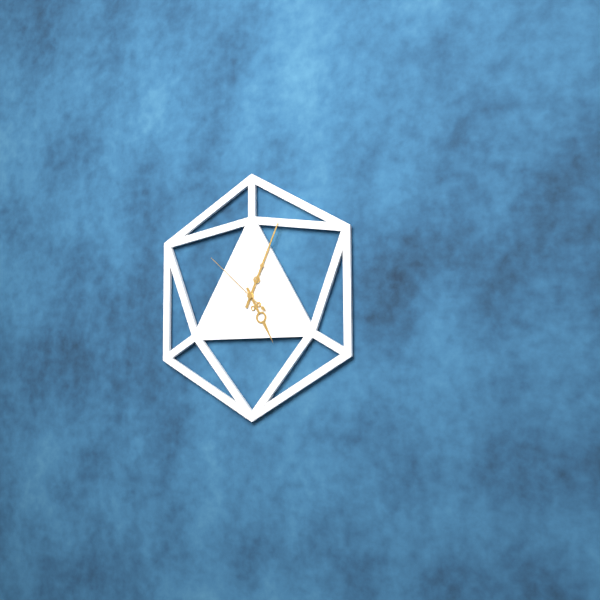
5:04:52
